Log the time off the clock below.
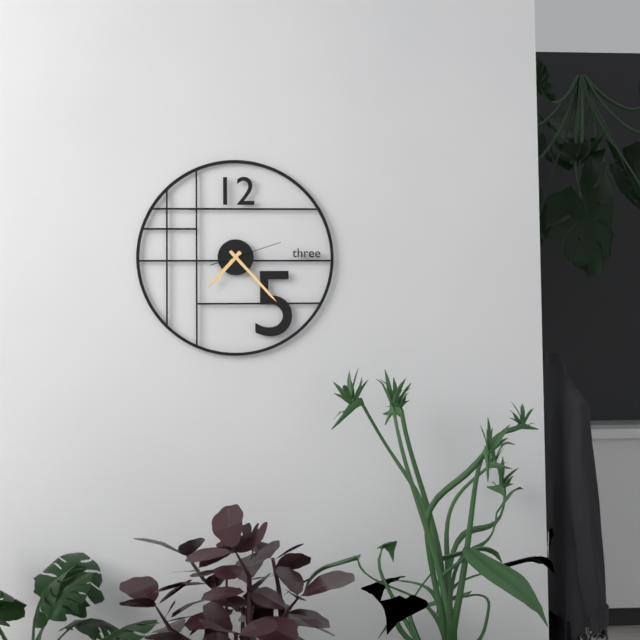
7:23:12
